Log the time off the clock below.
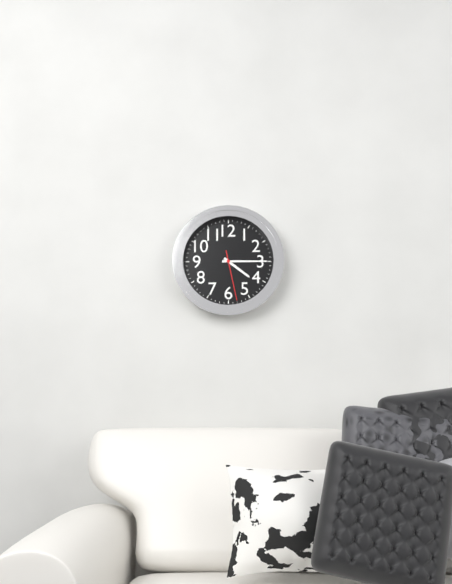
4:15:28
